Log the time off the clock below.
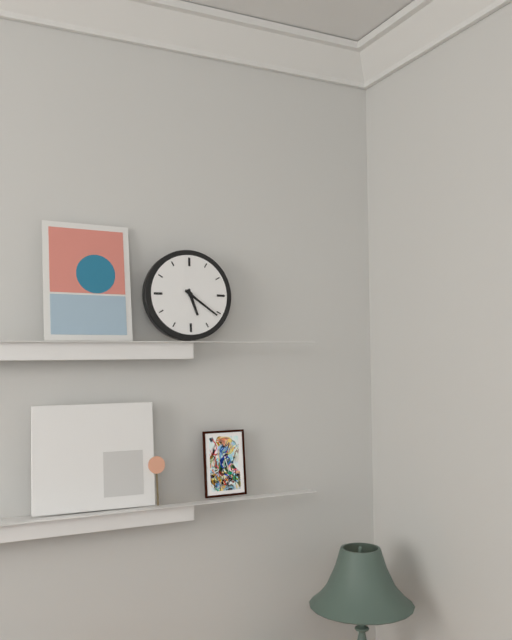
5:21
